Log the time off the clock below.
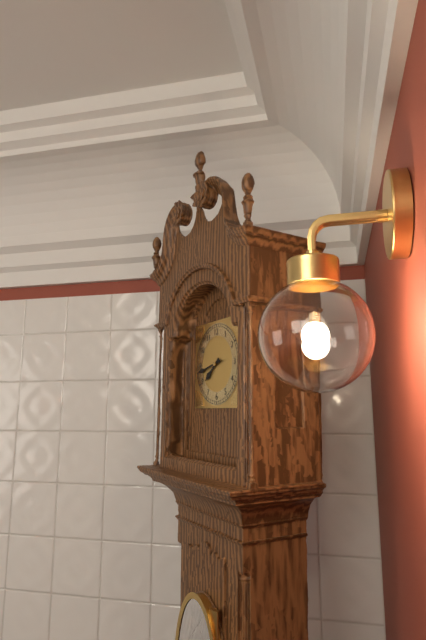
7:43
